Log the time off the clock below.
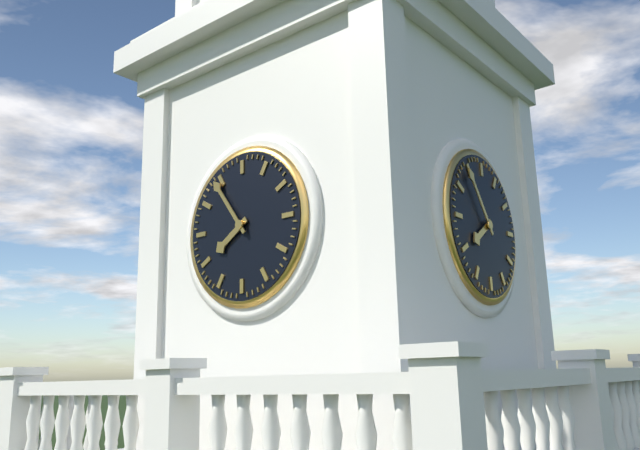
7:54
